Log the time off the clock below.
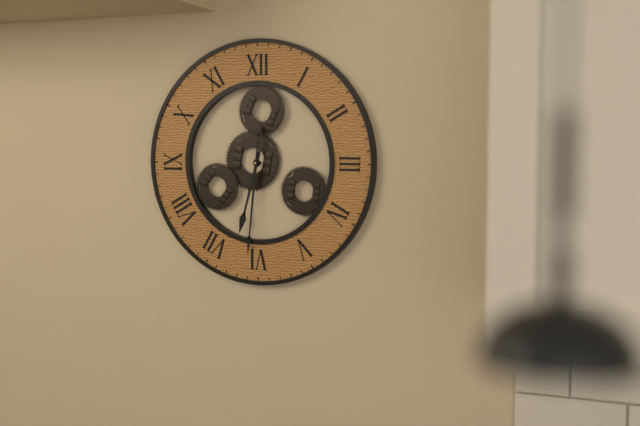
6:31
